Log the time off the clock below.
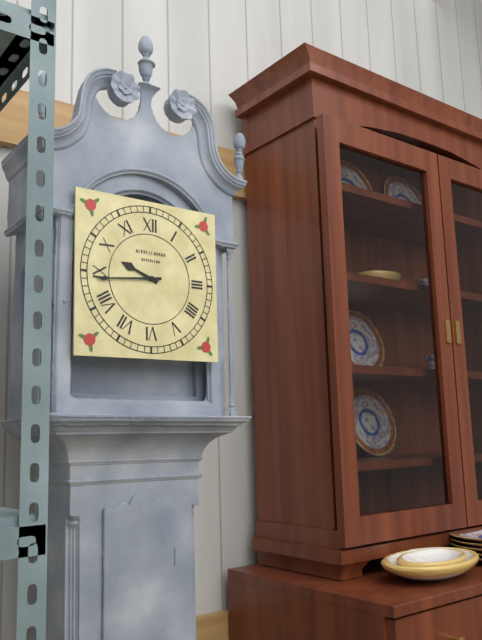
9:44
